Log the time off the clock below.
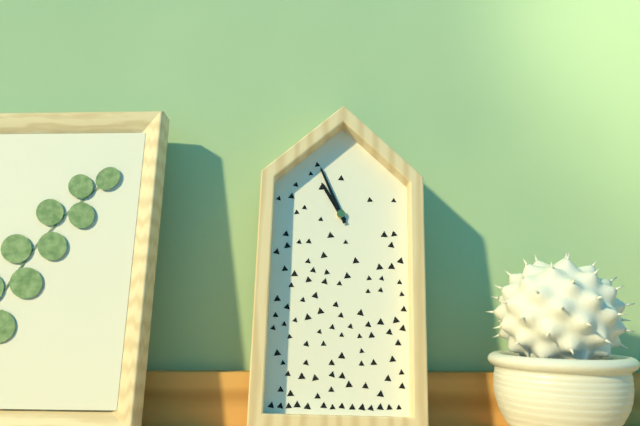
10:56
